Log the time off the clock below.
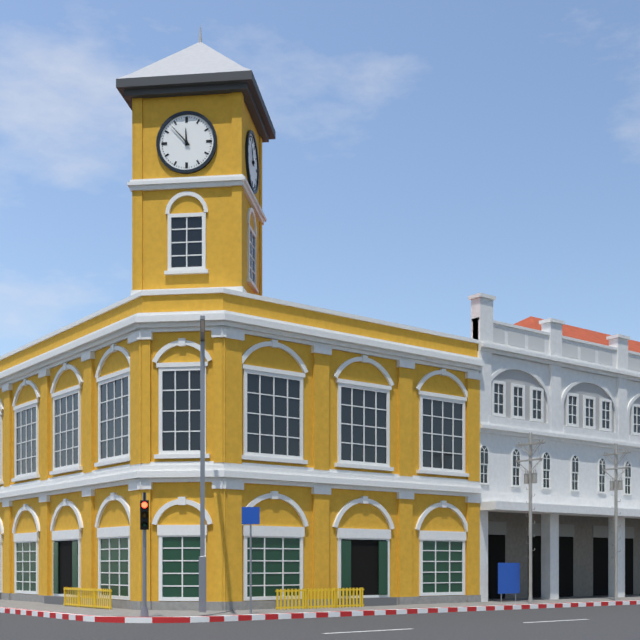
11:53
